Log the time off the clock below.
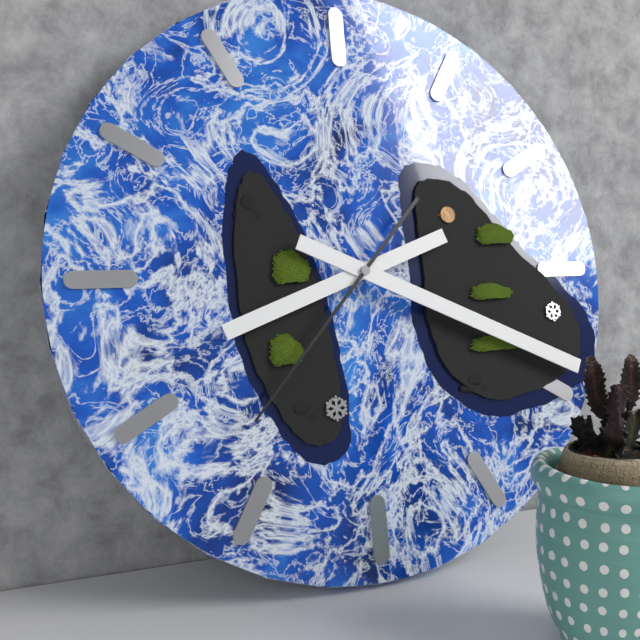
8:19:37
